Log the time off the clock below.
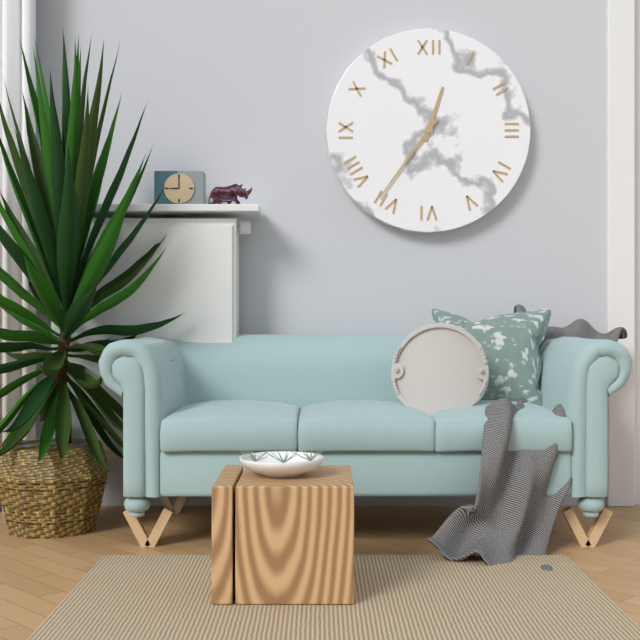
12:36
